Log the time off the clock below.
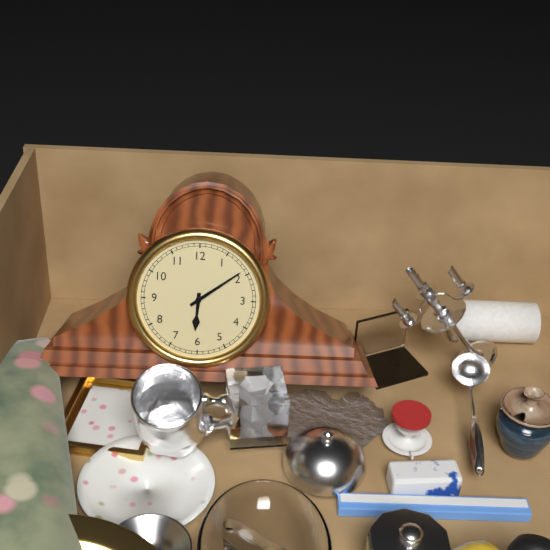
6:09
